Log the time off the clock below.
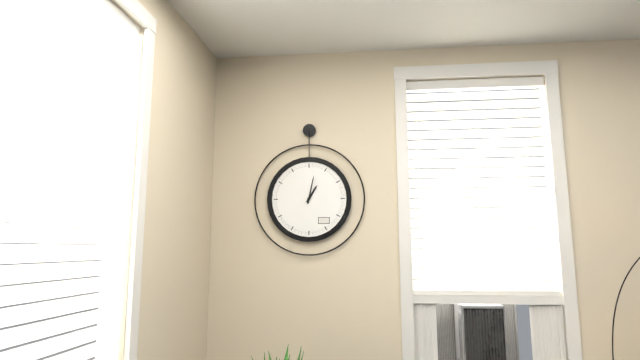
1:02
